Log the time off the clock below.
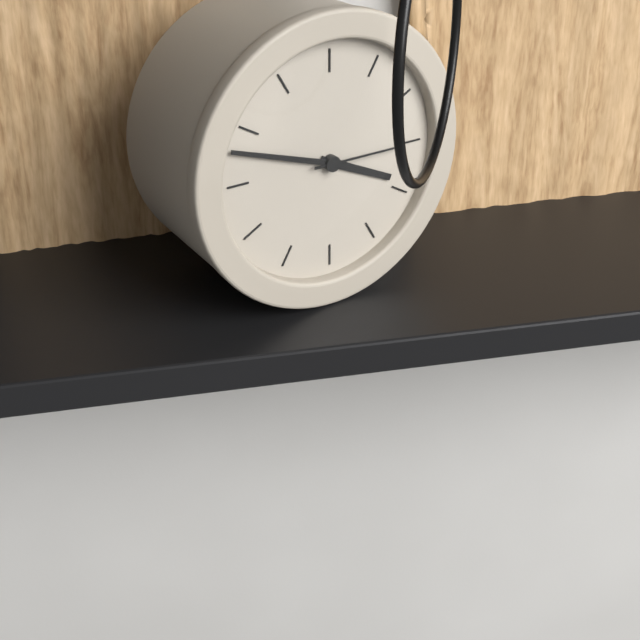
3:48:15
